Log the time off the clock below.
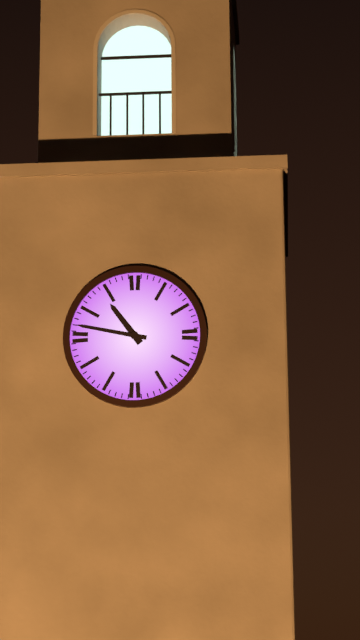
10:47
